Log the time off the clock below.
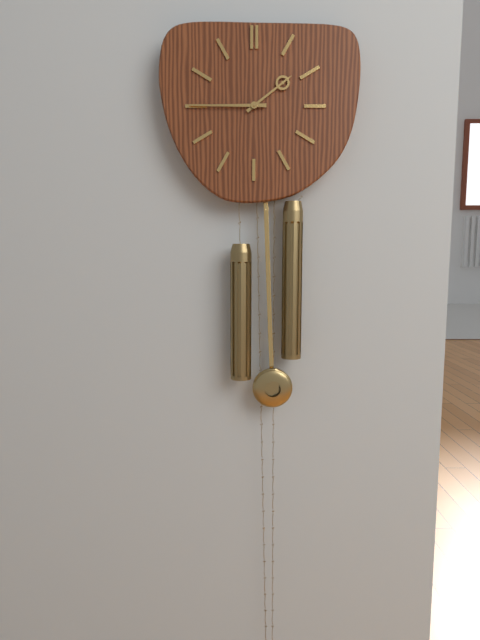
1:45
